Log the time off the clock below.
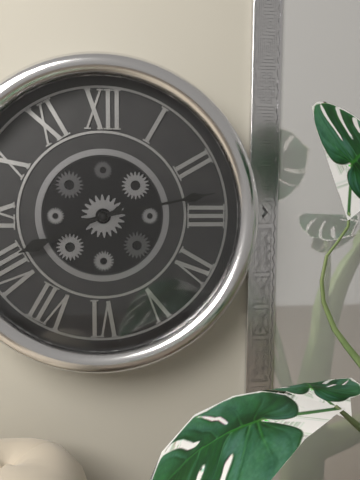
8:13
